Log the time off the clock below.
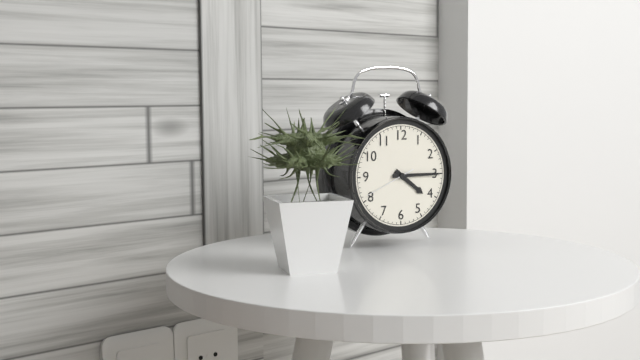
4:15:41
